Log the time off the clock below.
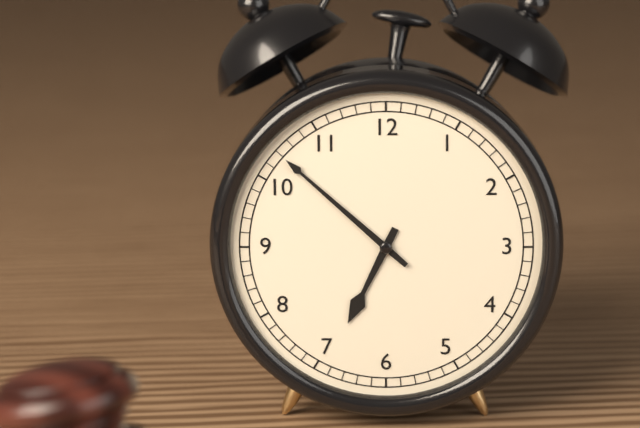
6:52
